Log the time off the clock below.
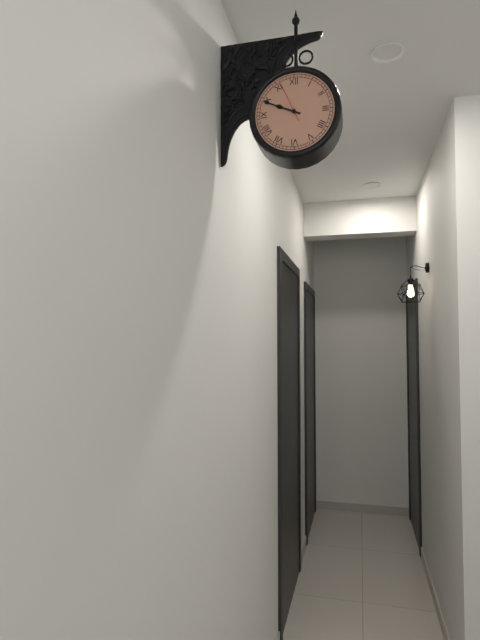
9:49:56
